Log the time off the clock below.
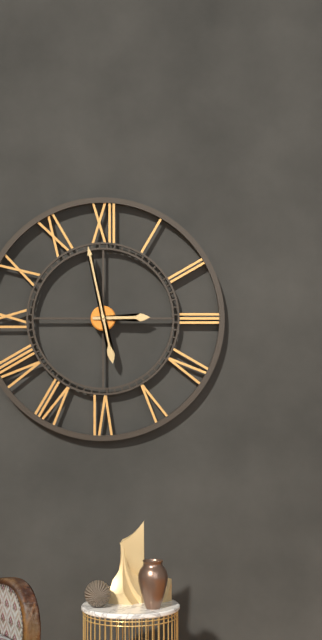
2:58
